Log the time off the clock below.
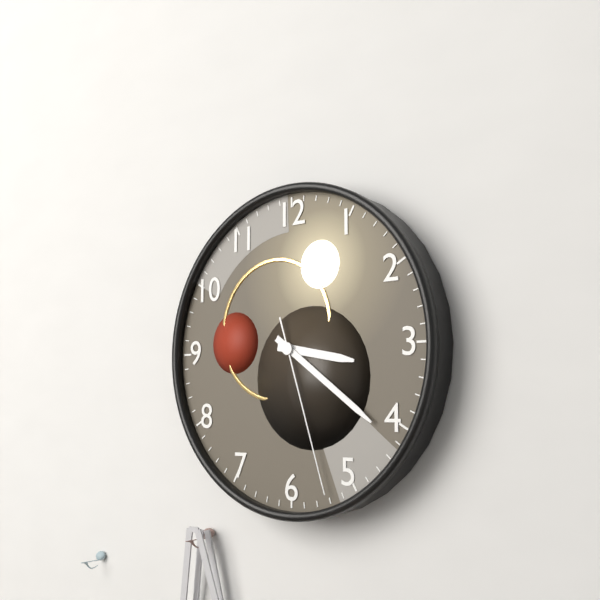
3:21:27
